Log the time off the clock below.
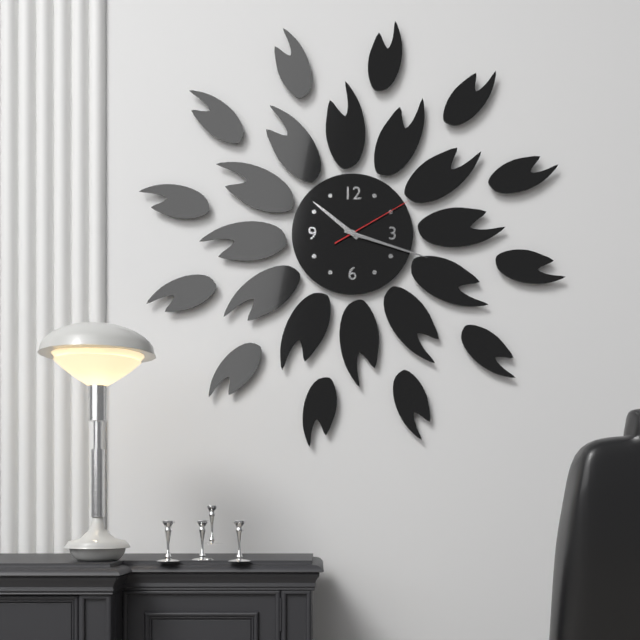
10:18:10
